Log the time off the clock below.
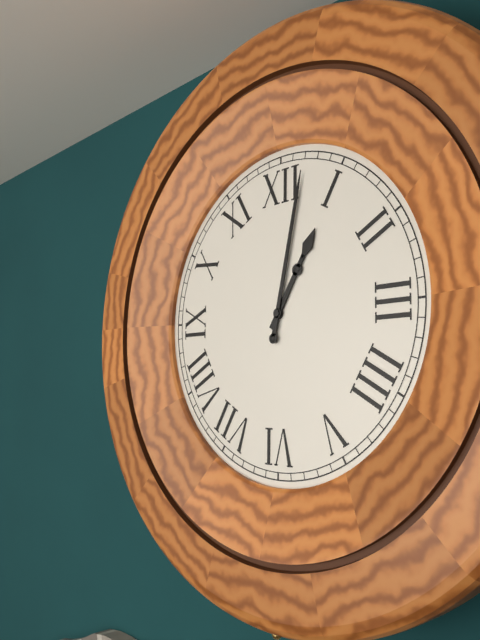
1:02
